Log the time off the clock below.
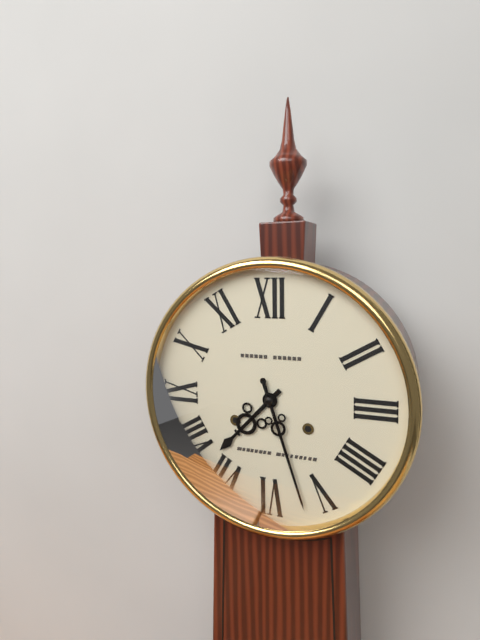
7:27
